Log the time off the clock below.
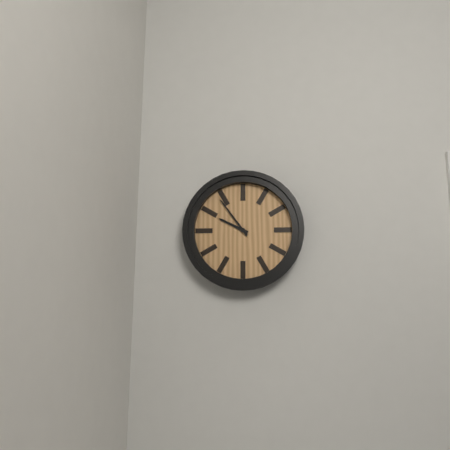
9:54
